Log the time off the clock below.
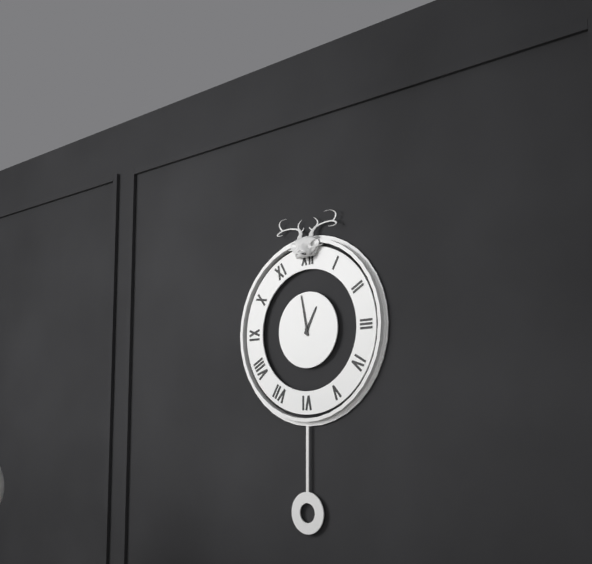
12:58
